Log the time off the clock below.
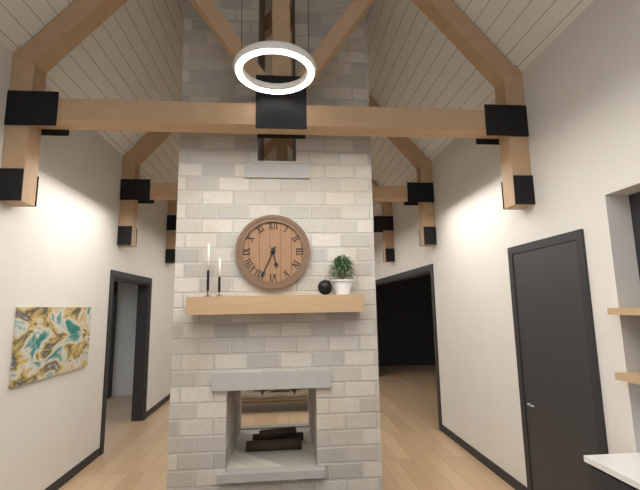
5:34
